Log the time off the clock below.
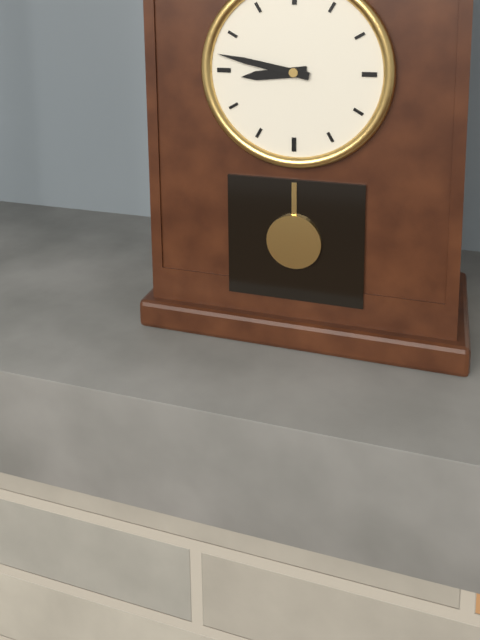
8:47
